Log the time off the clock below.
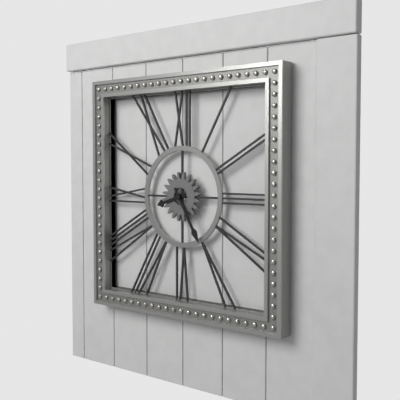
8:25
